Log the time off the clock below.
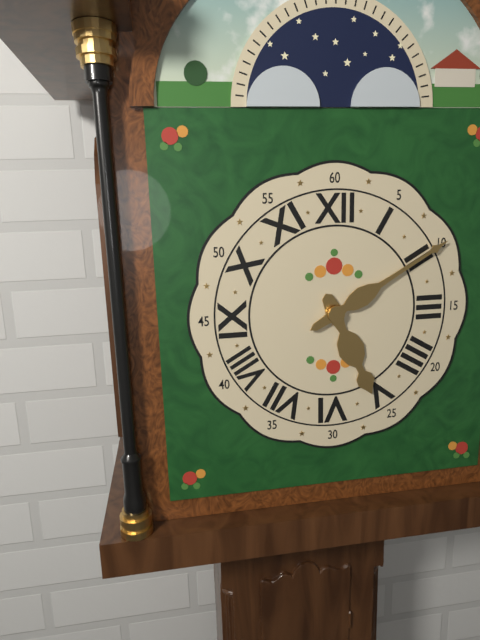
5:10
